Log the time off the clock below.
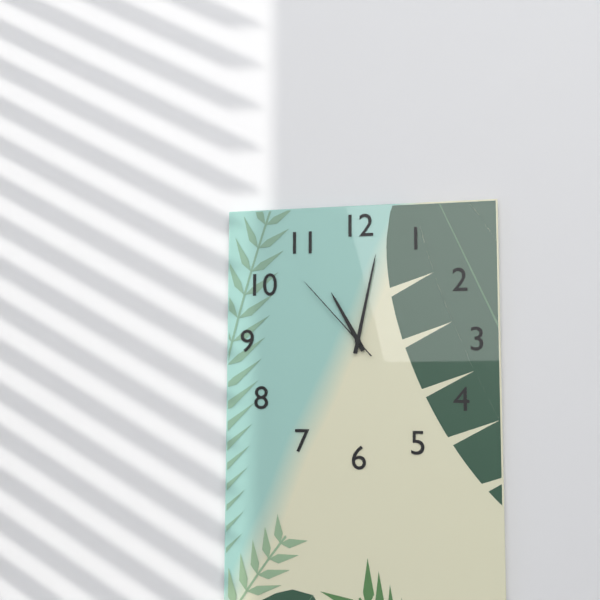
11:02:53
